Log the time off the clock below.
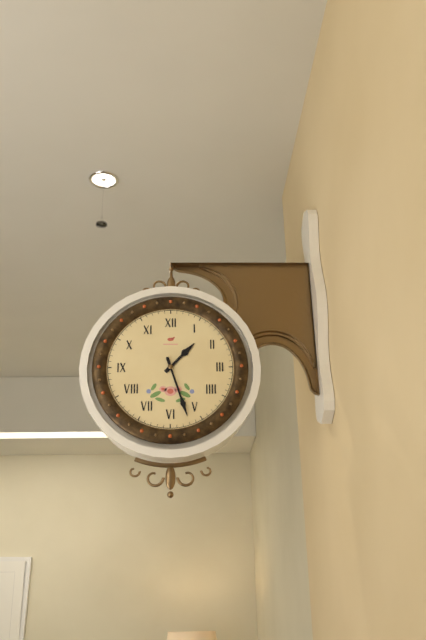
1:27
